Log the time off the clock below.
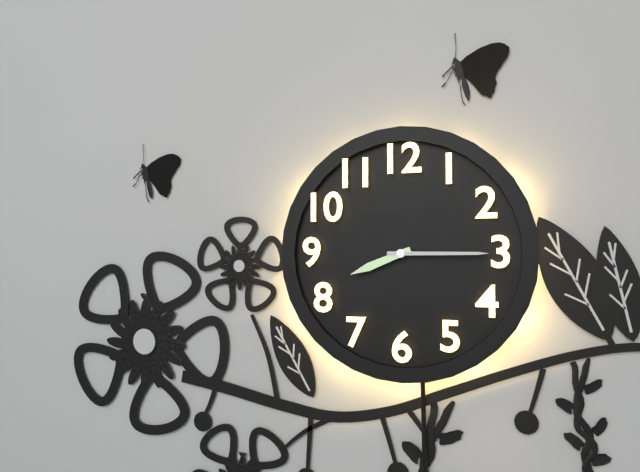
8:15
